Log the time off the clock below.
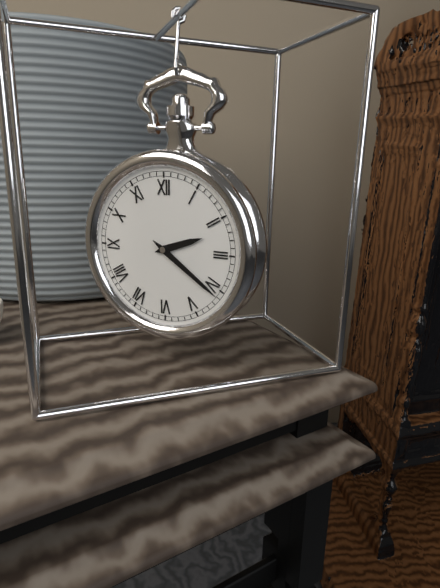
2:21
